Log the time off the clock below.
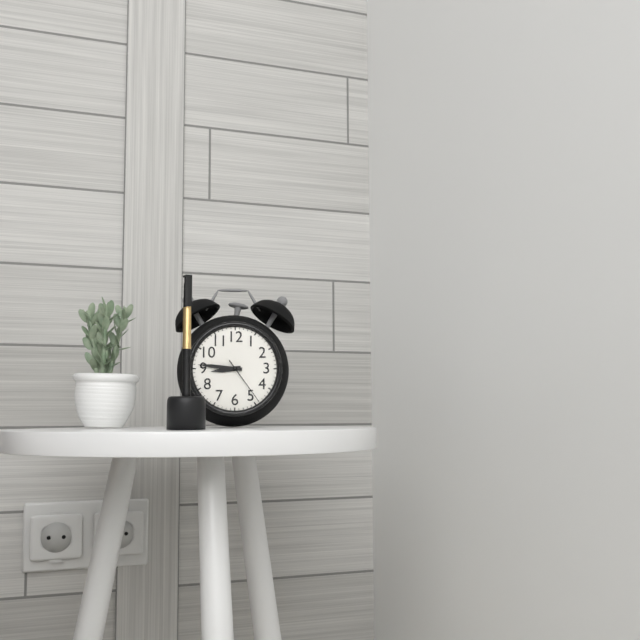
8:46:24
